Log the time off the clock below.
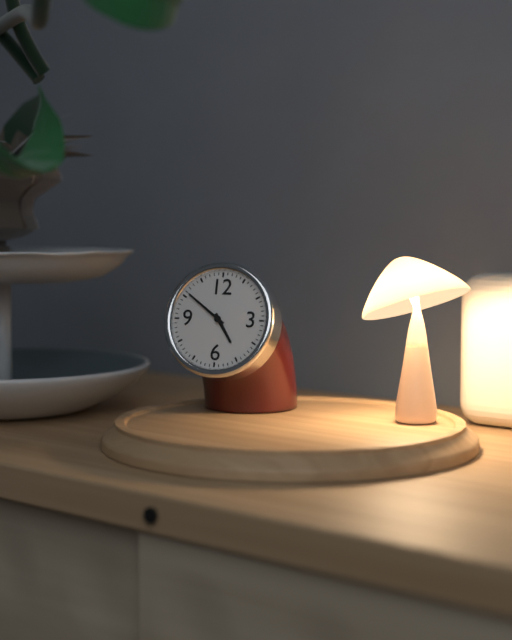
4:51
